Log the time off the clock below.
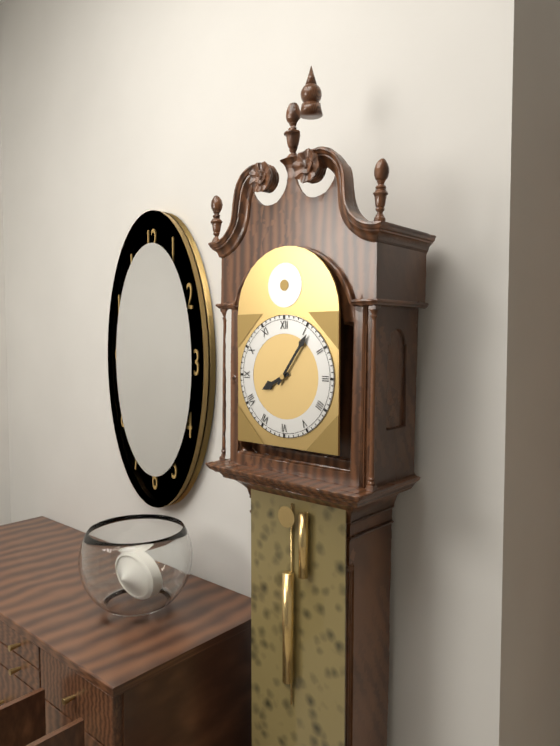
8:06
